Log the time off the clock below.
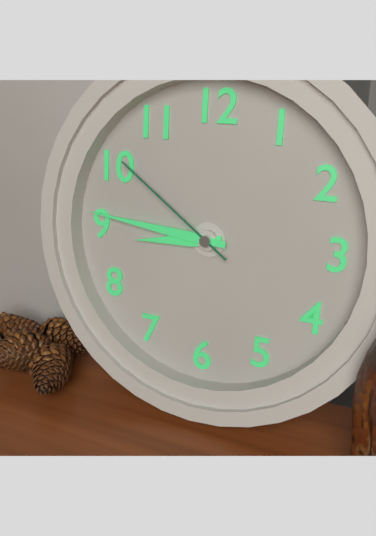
8:46:51
